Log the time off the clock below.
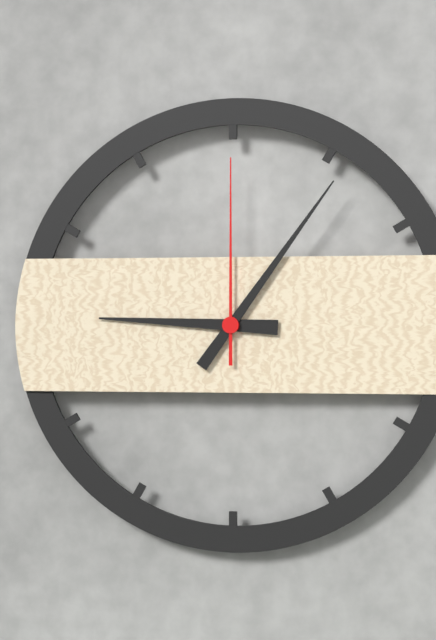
9:06:00
